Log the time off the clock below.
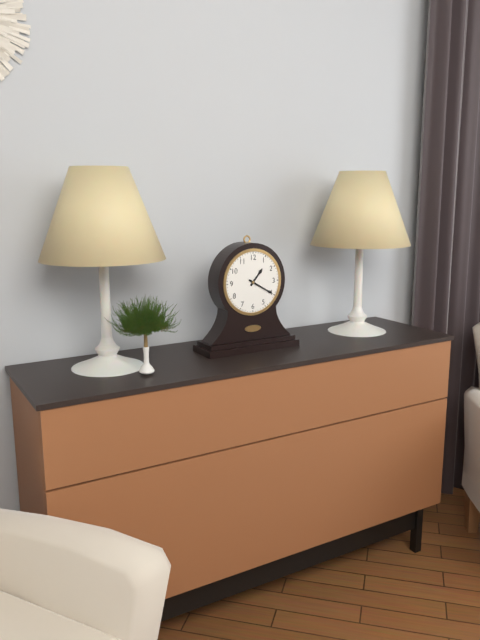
1:20
